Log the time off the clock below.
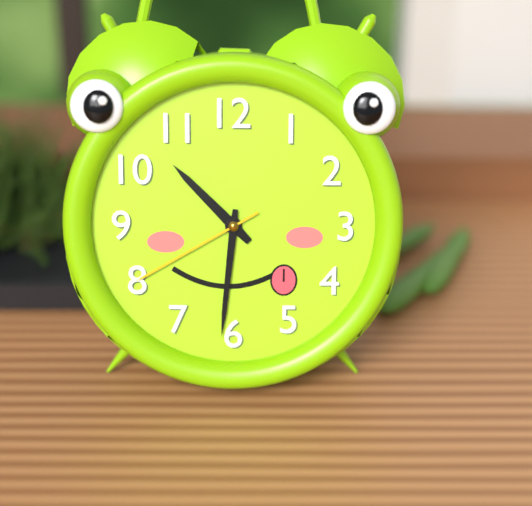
10:31:40
